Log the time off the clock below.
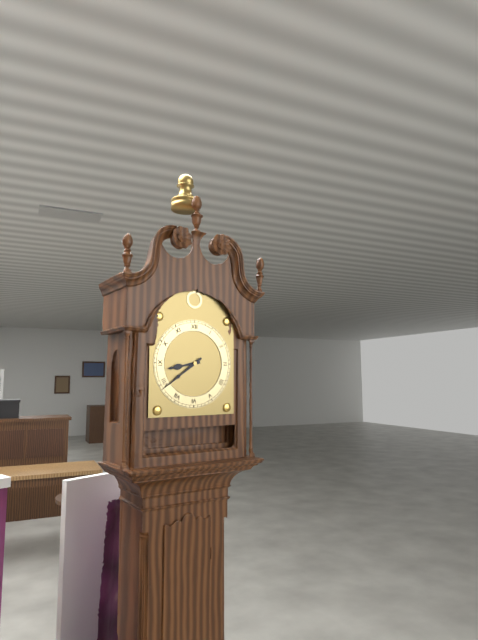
8:39
